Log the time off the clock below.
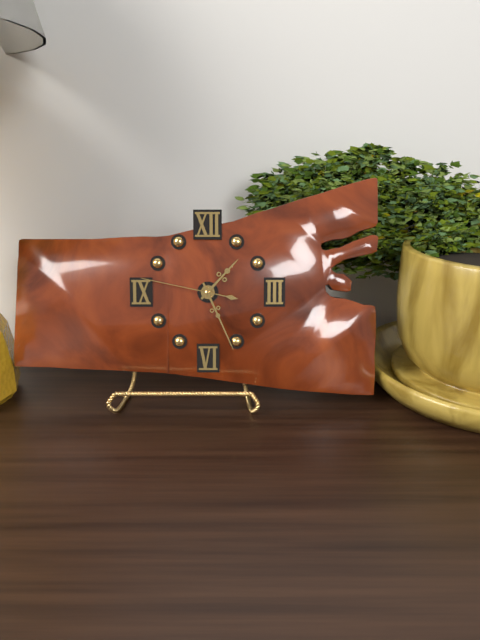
1:26:47
